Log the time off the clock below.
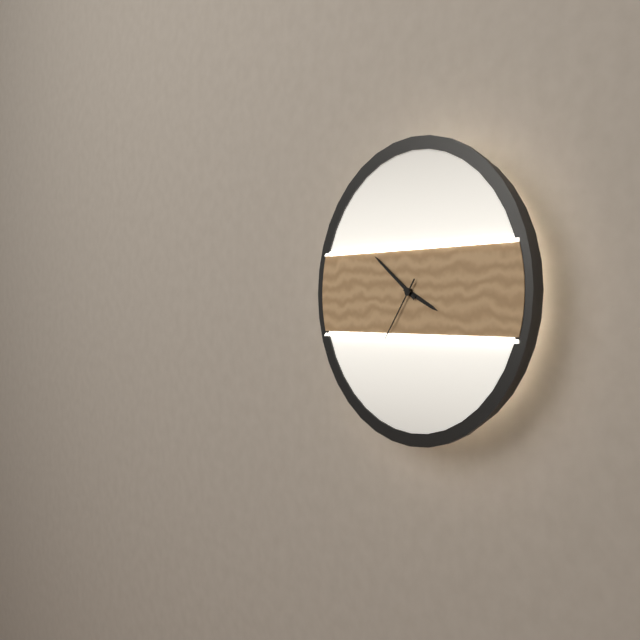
3:51:36
